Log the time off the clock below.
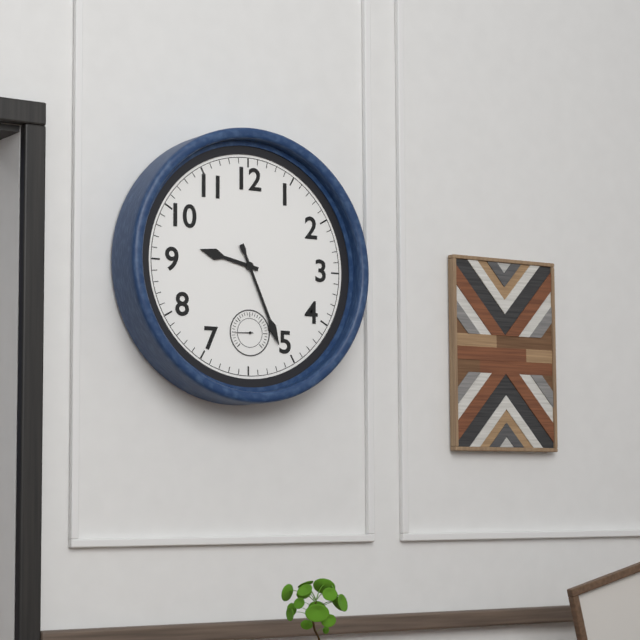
9:26
